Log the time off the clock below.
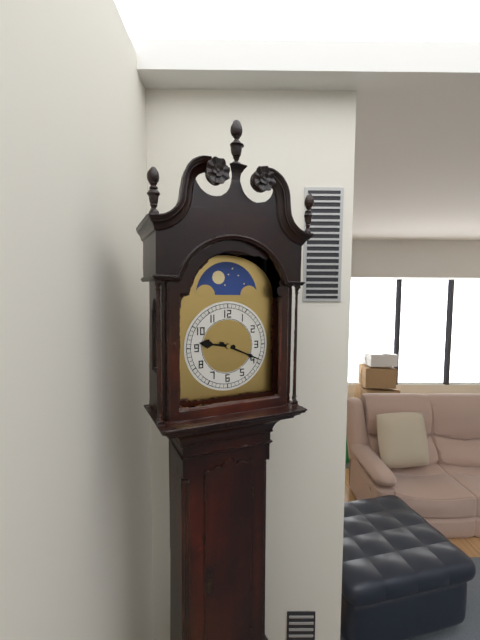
9:19
